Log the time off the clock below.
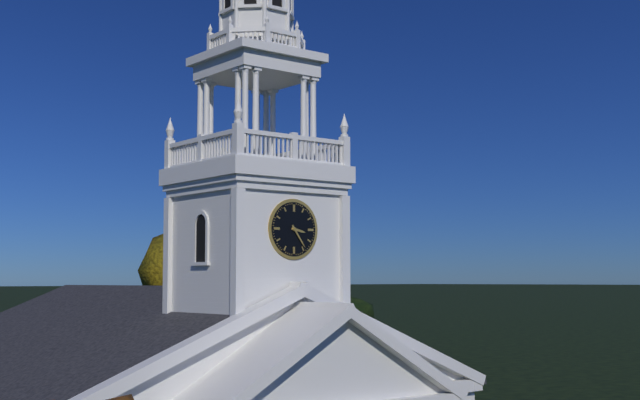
3:24
